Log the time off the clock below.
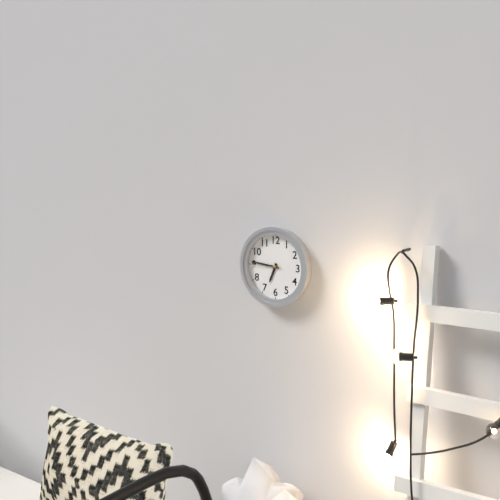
6:46
